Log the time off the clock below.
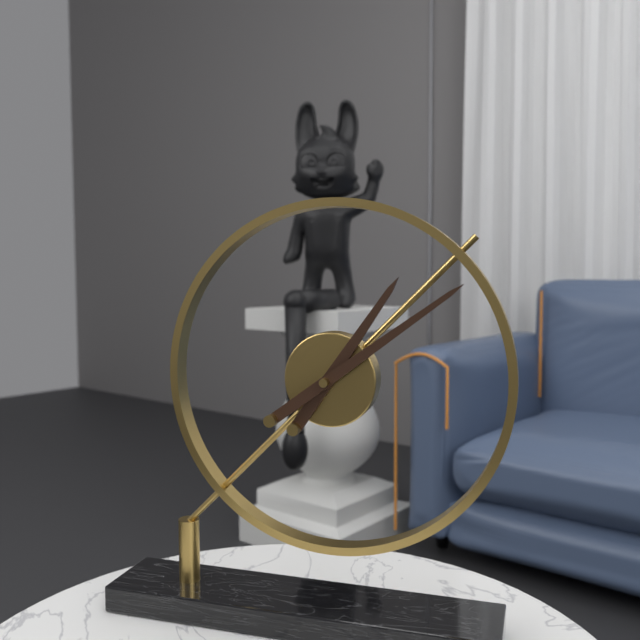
1:09
